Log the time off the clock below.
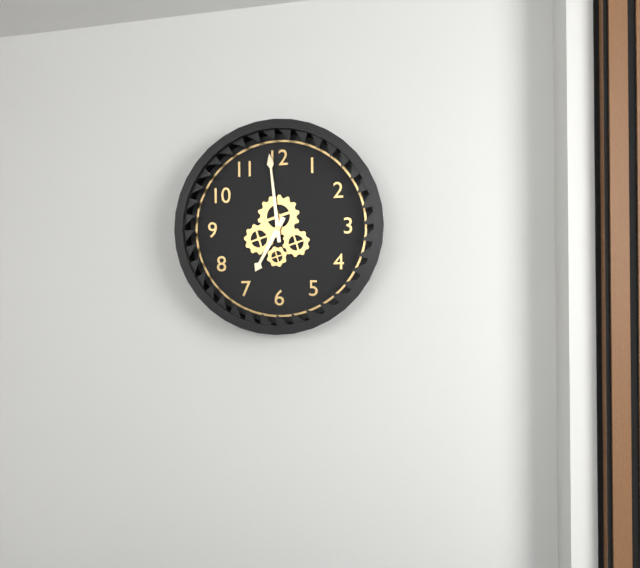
6:59
